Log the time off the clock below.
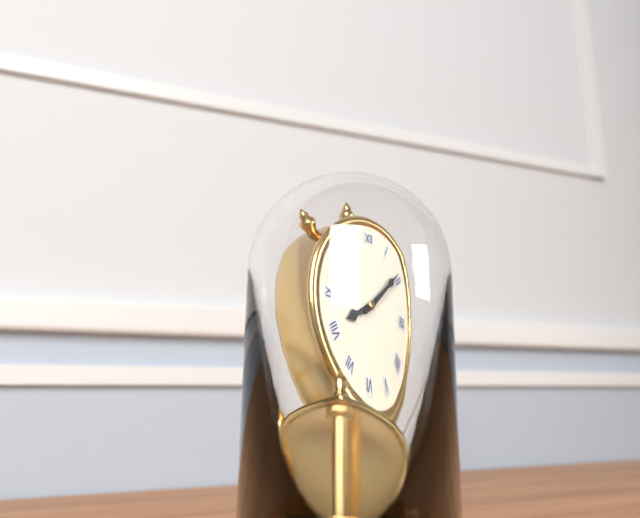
8:09
